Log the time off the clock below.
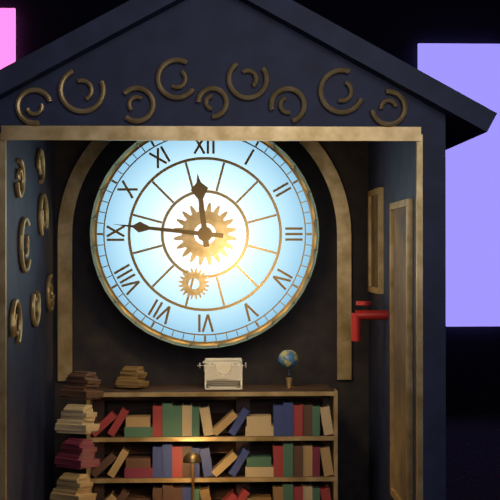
11:46
